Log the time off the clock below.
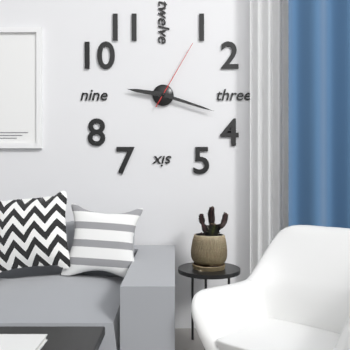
9:18:05
